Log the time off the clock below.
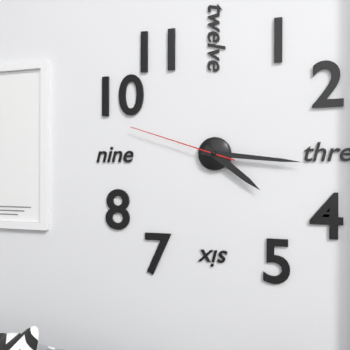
4:16:48
